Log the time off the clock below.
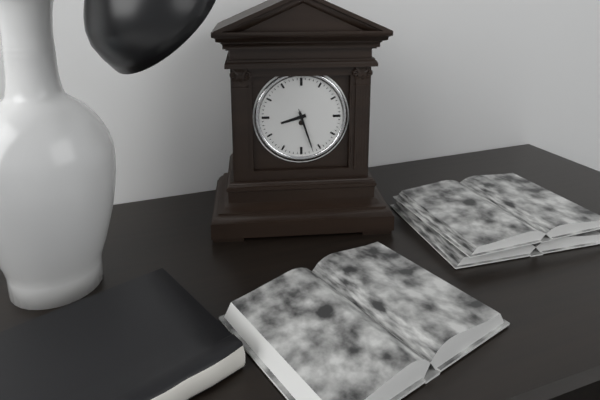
8:27
